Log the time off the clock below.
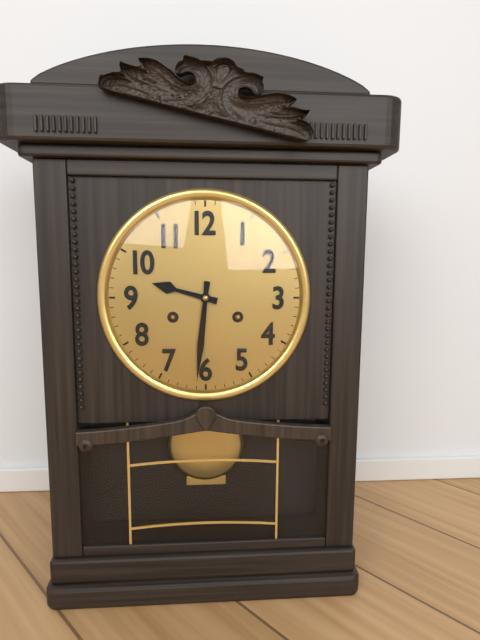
9:31
